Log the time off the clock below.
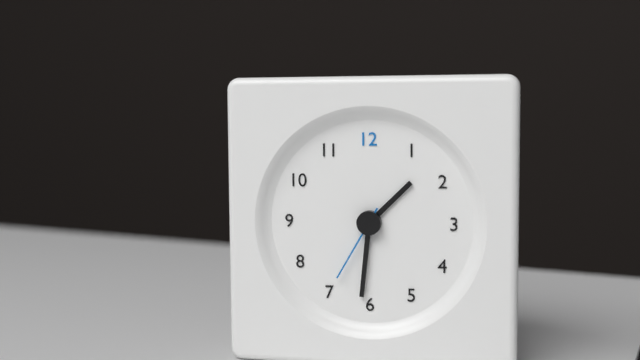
1:31:35
